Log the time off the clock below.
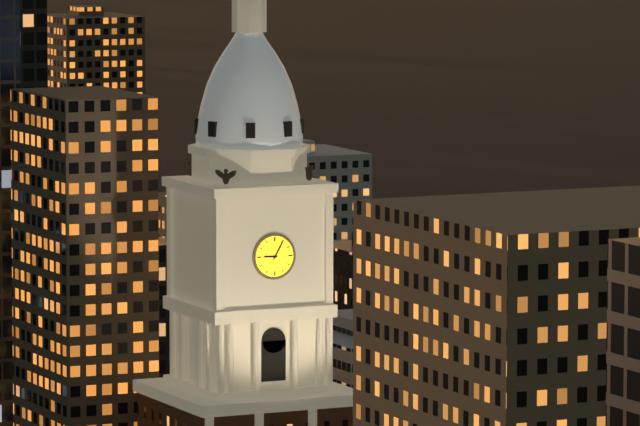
9:05
